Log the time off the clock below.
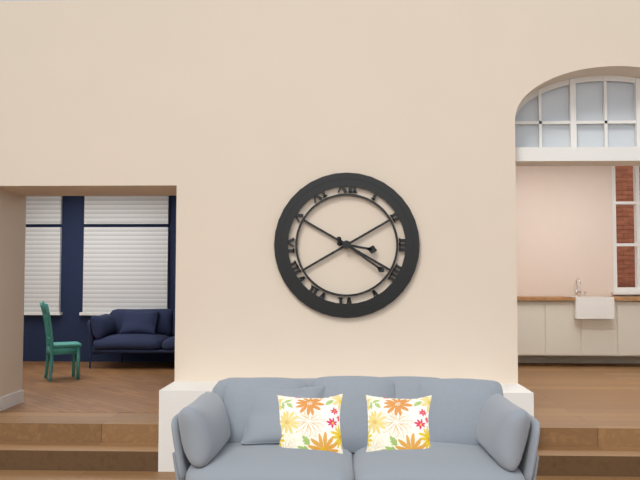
3:21
